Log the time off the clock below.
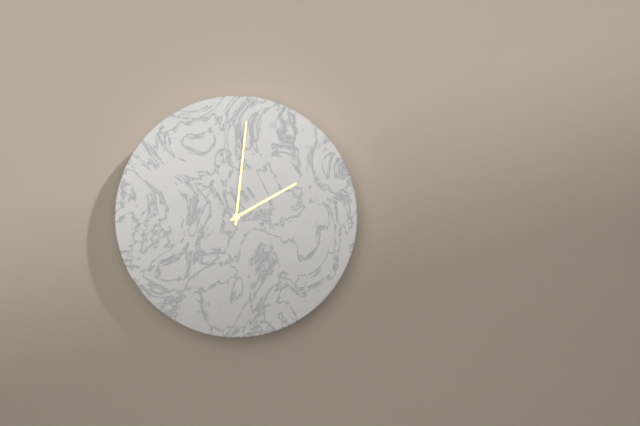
2:01
